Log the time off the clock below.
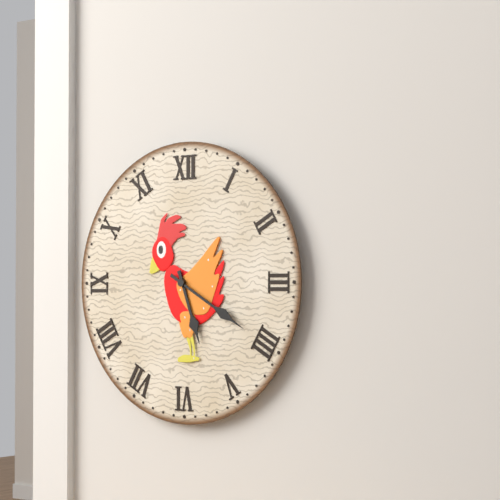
5:20
